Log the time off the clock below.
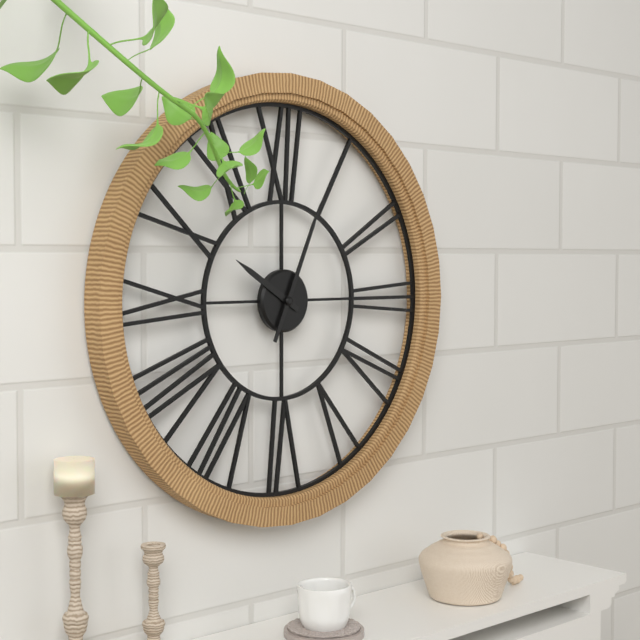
10:04
